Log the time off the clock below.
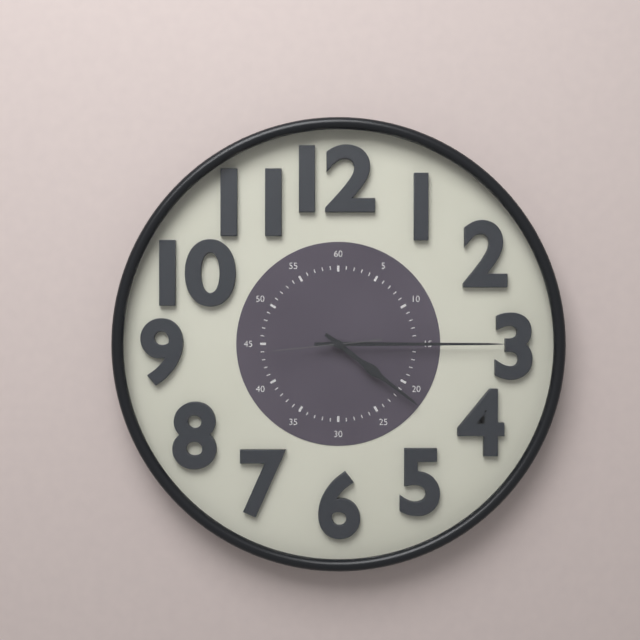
4:15:44
